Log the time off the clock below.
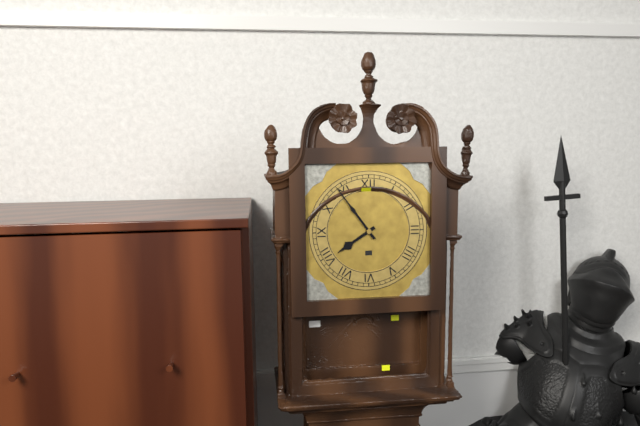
7:54
